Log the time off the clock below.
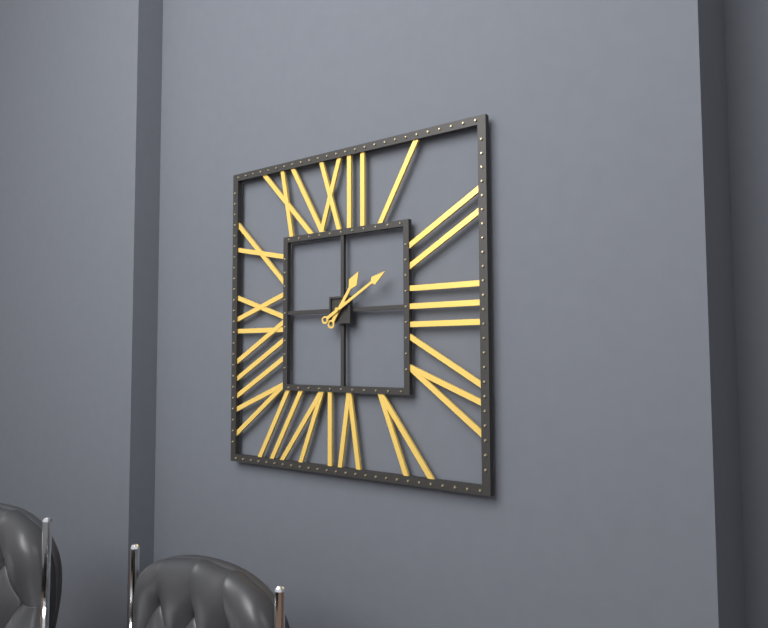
1:10
